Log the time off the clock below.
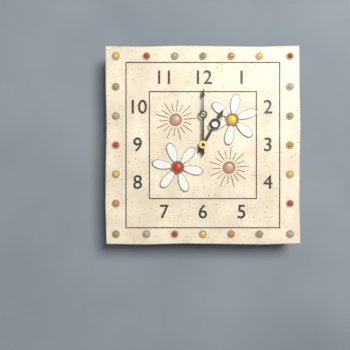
1:00
